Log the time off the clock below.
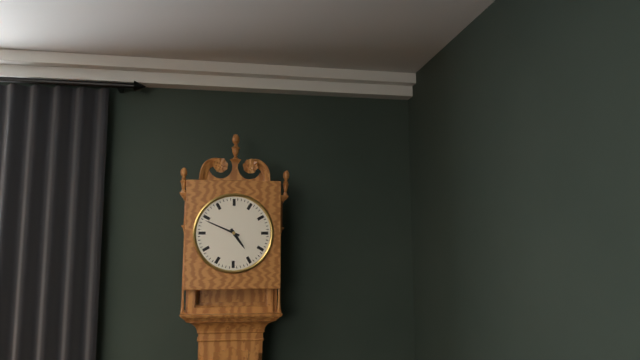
4:49
